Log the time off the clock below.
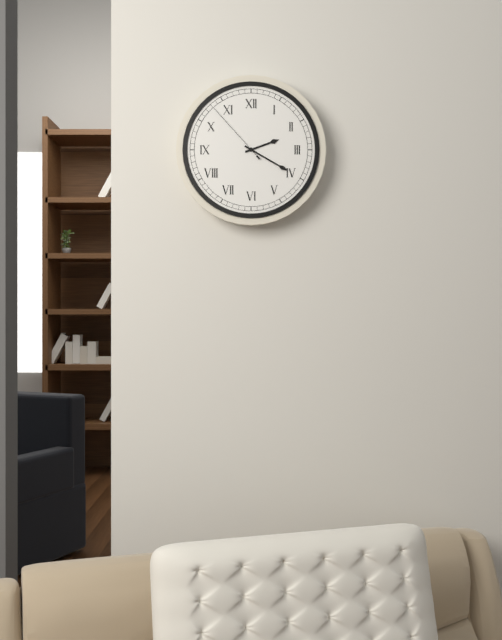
2:20:53
